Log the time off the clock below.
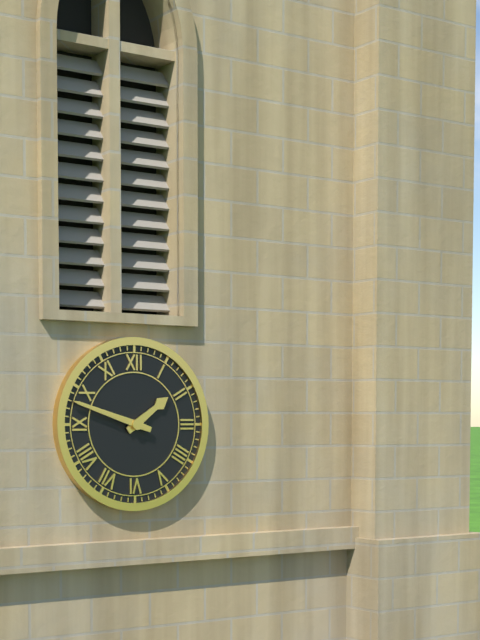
1:48
